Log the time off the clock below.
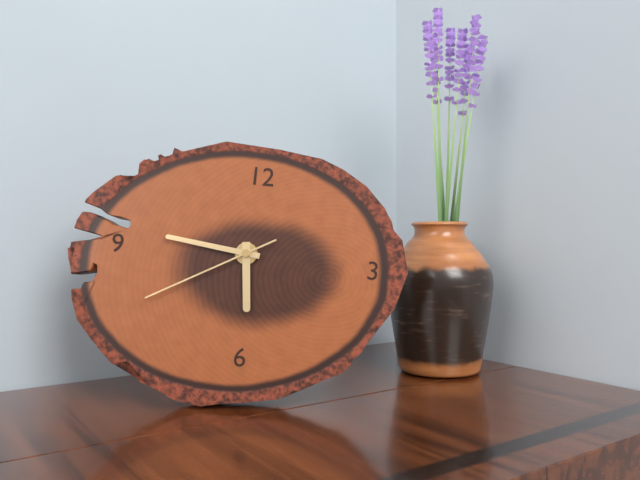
5:46:40
